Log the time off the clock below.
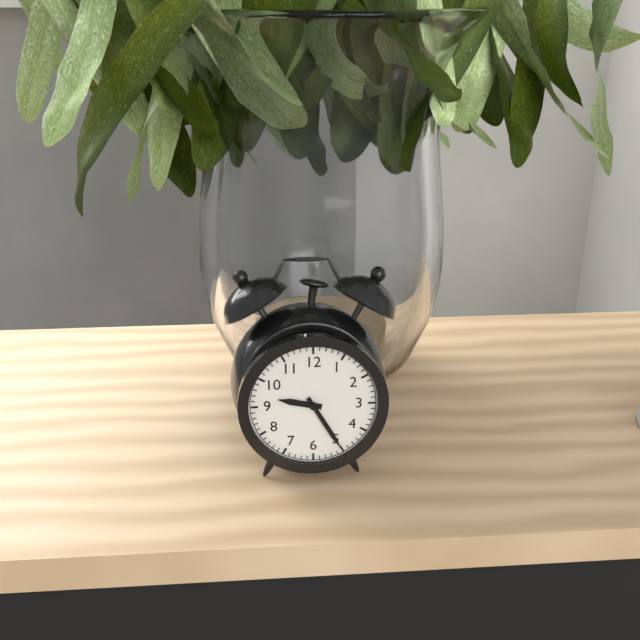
9:25
